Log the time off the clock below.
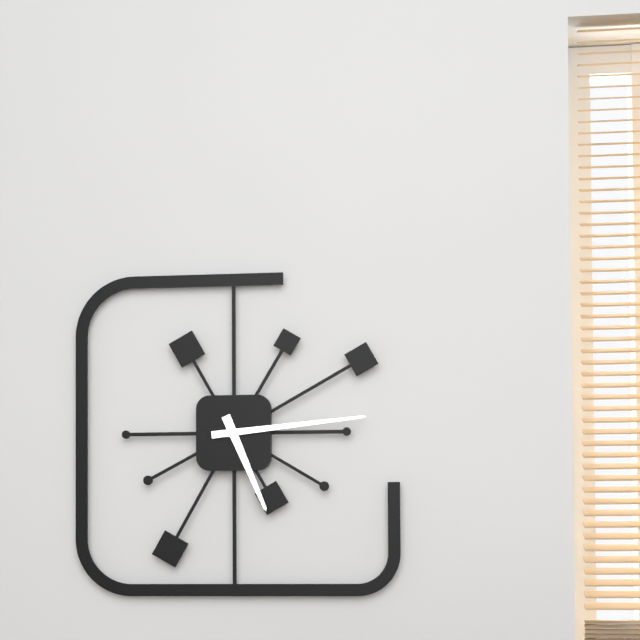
5:14
